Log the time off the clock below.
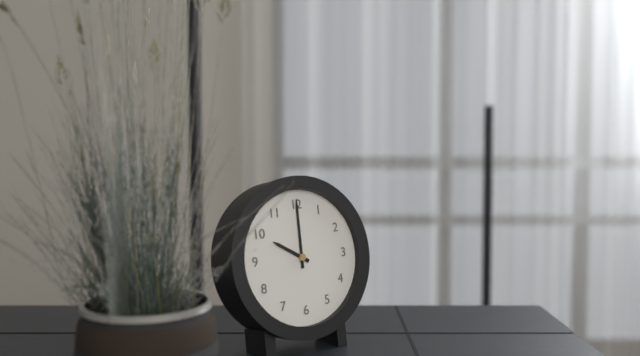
10:00
